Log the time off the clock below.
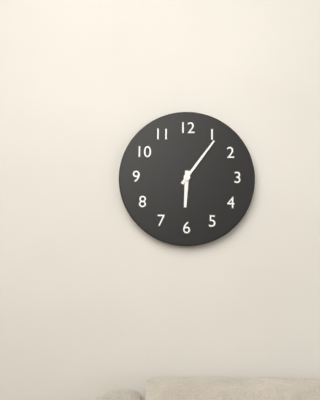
6:06
